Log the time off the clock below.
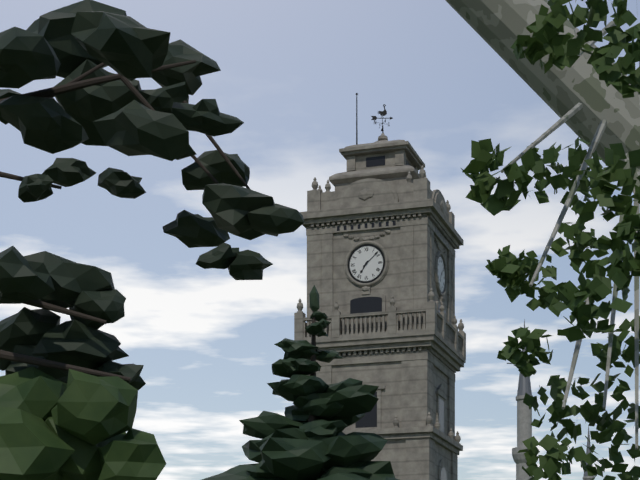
7:08
